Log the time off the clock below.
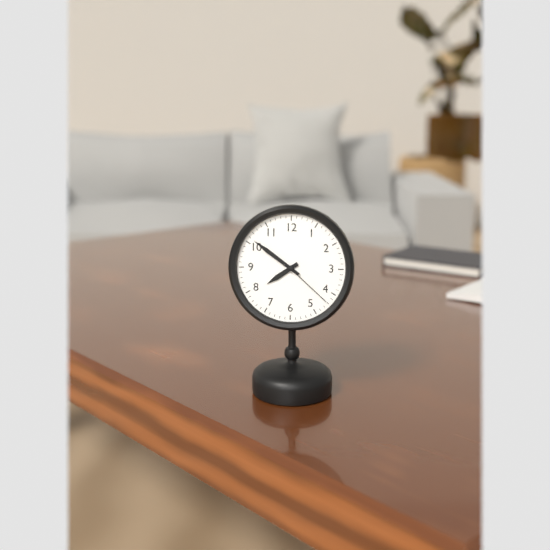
7:51:22
